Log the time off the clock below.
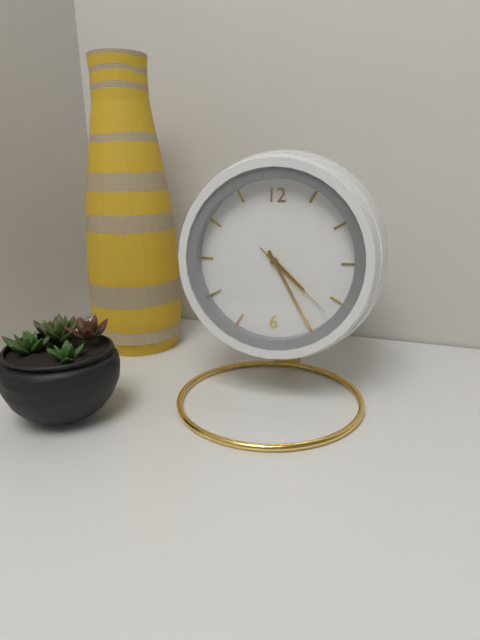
4:25:22
